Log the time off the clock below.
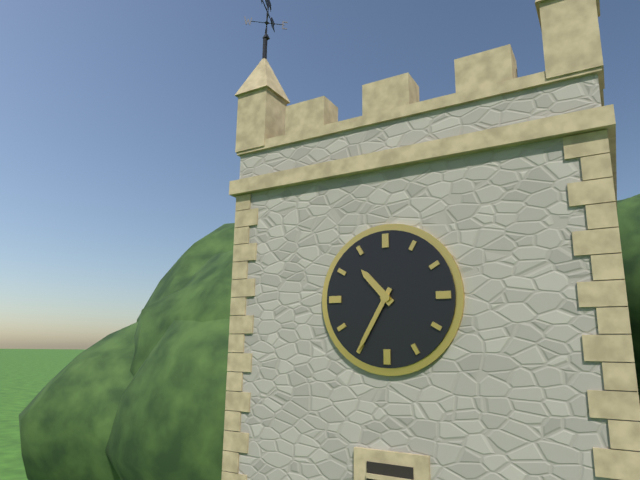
10:35
